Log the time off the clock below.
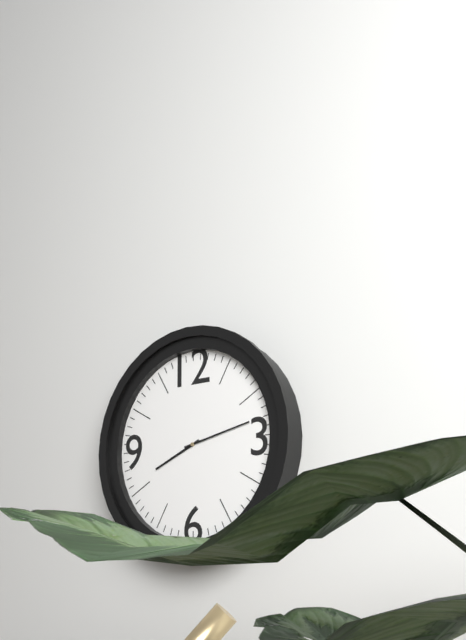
8:13
